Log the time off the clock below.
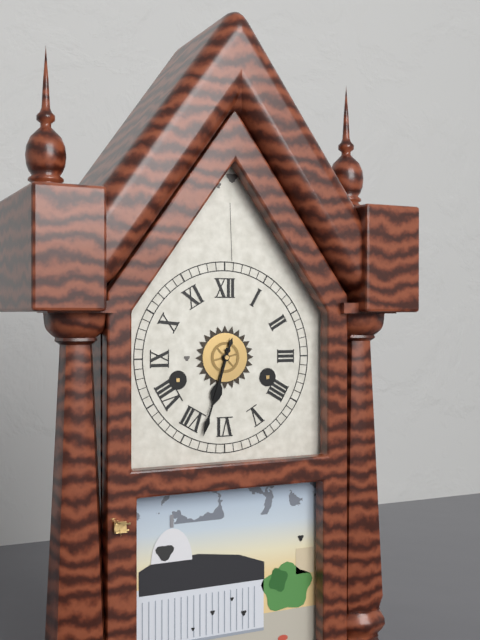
6:33
